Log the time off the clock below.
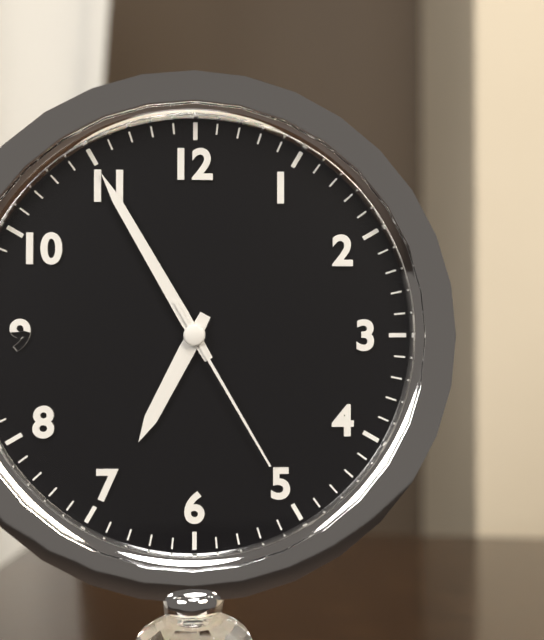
6:55:25
